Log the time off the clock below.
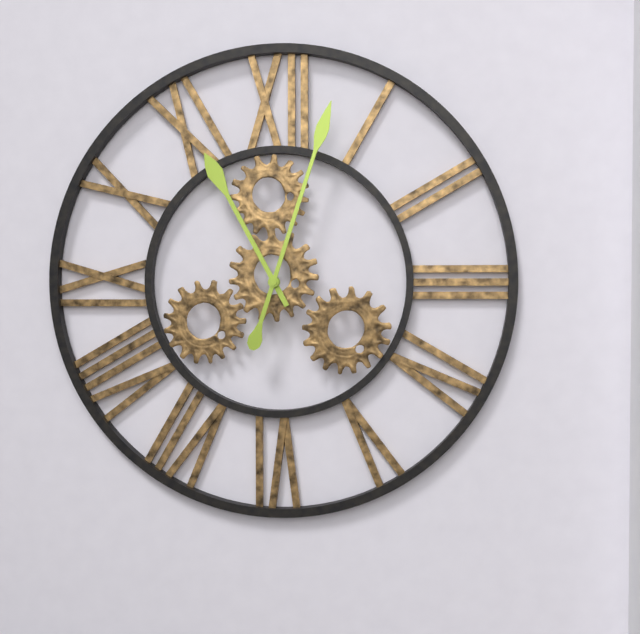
11:03
